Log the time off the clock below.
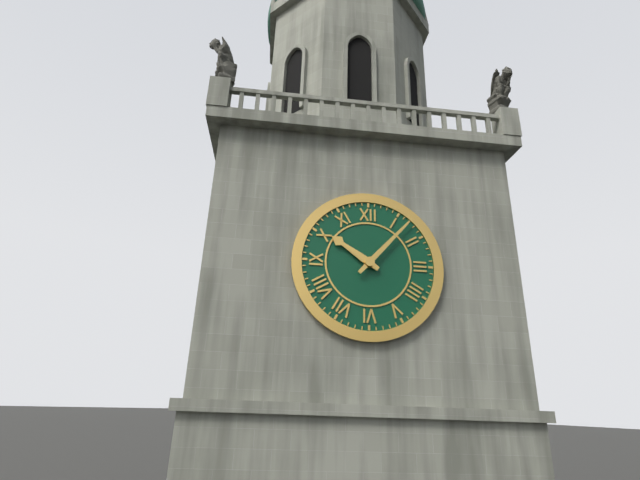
10:07
